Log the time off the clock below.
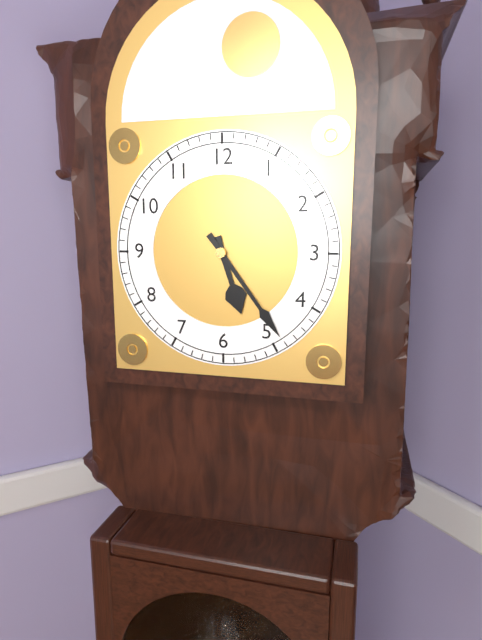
5:24
